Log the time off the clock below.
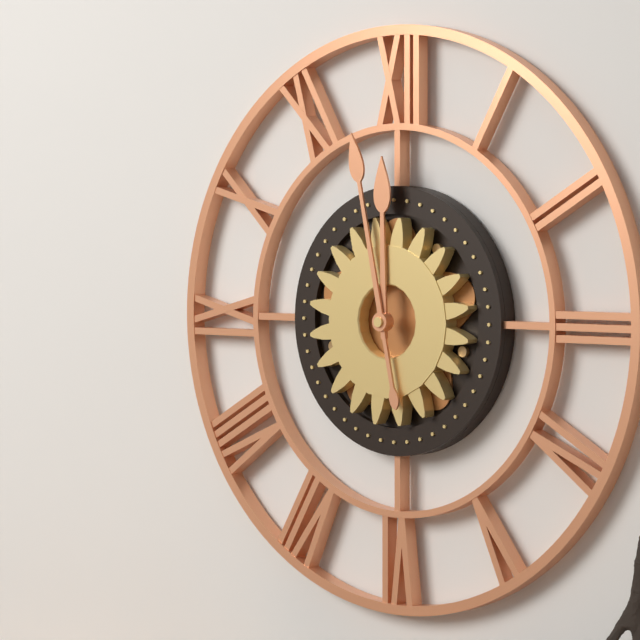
11:58
